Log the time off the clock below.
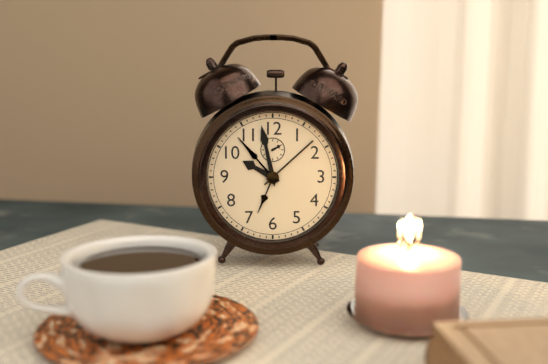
9:58
